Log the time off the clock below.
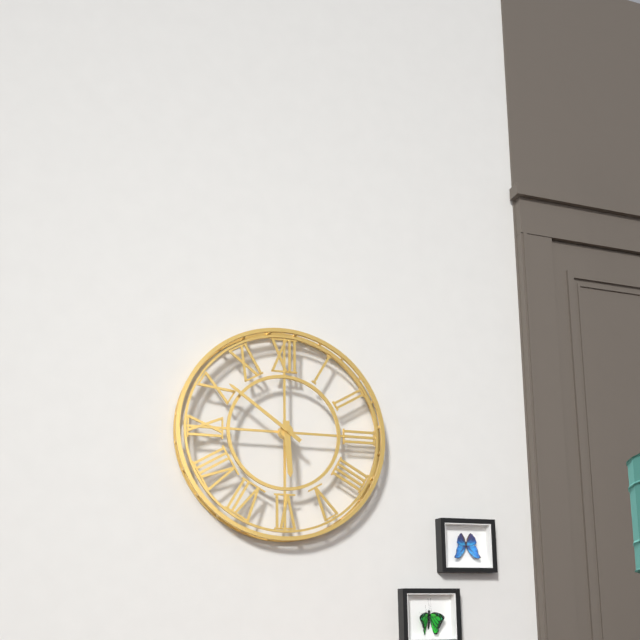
5:51
